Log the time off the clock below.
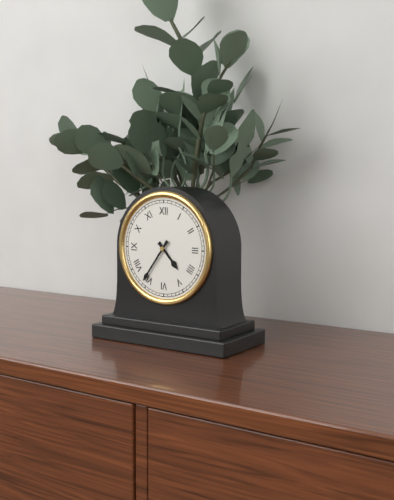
4:36
